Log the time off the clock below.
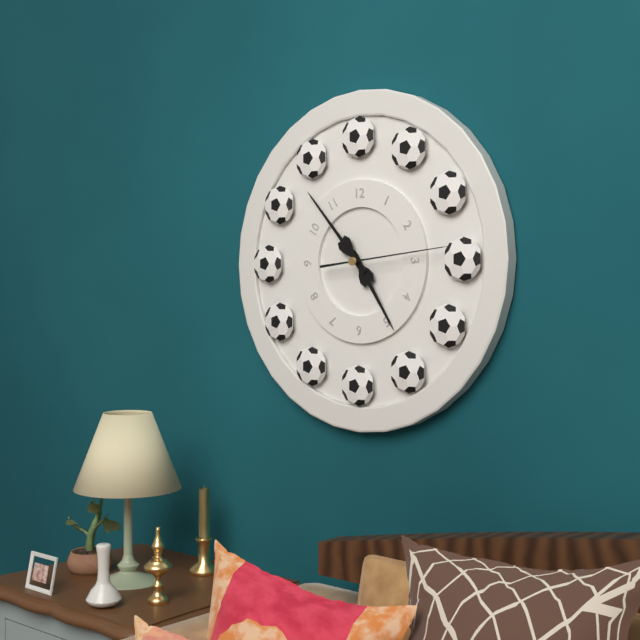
4:53:14
